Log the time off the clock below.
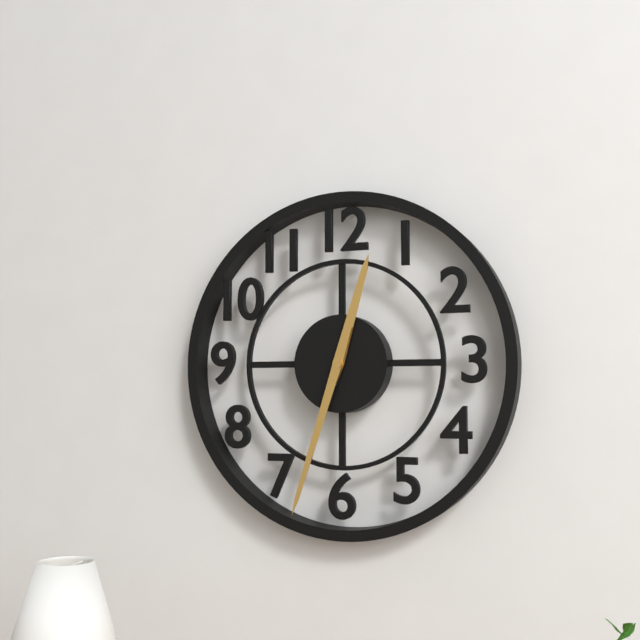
12:33
